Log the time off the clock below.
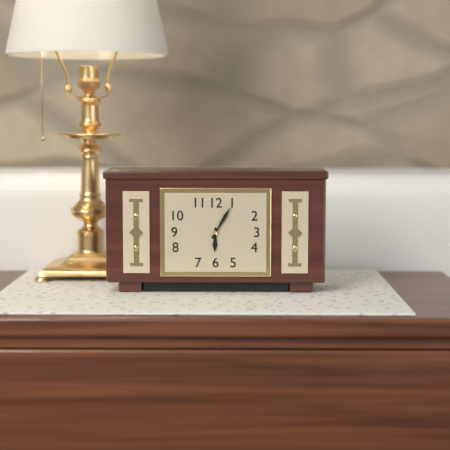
6:05
